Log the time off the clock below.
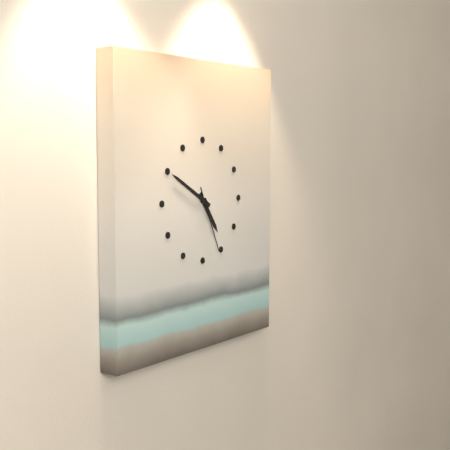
4:50:26
